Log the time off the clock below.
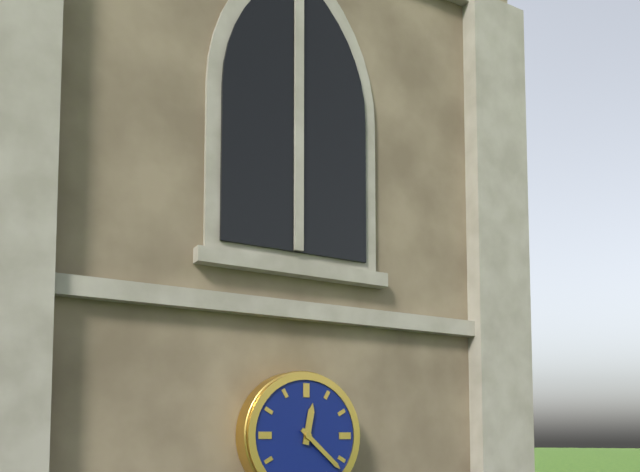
12:22
